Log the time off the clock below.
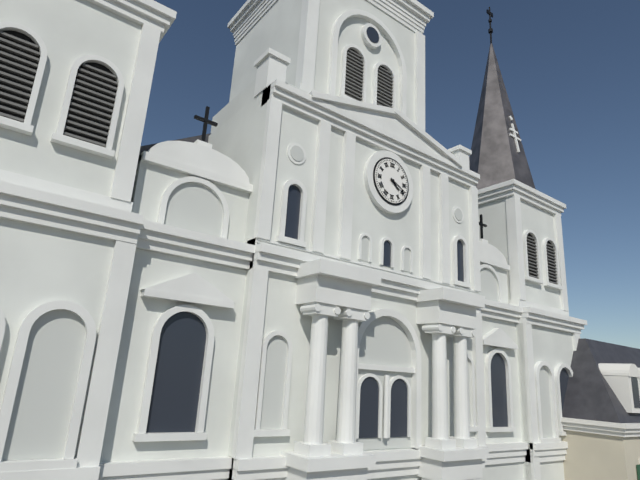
4:19
